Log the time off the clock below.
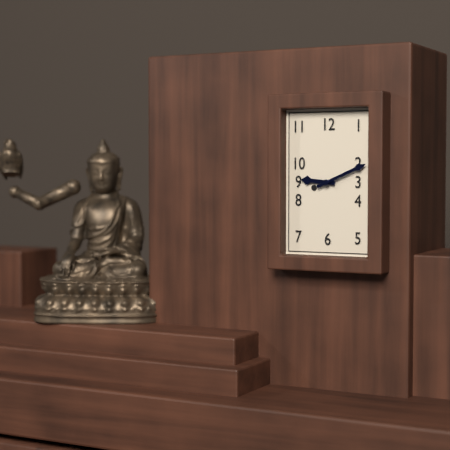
9:11
